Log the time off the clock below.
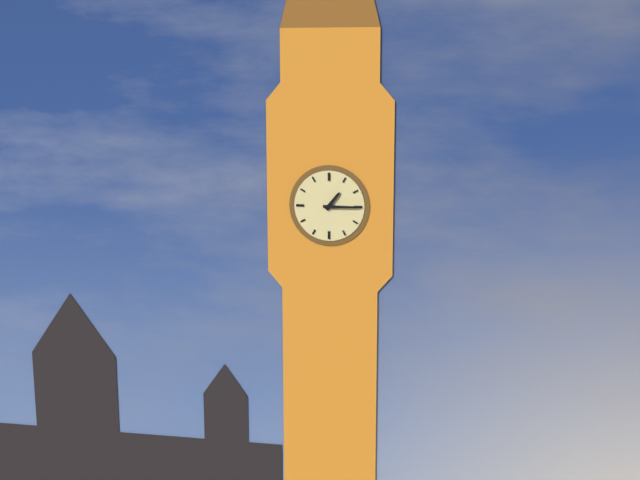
1:15
